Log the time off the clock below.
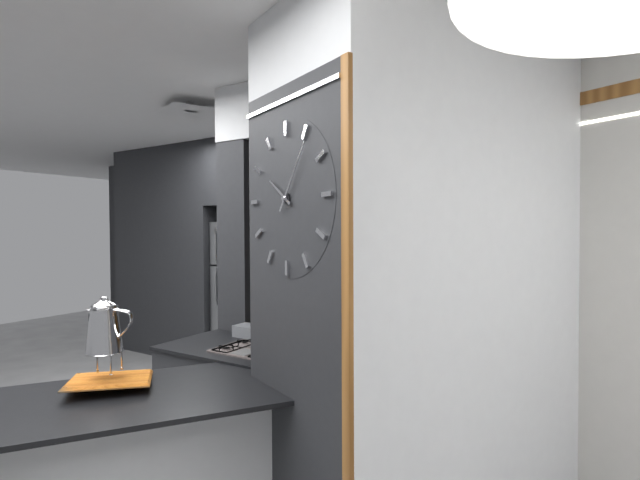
10:06
